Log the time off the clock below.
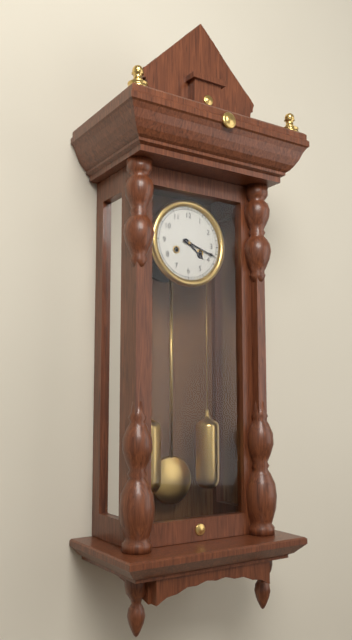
4:18
